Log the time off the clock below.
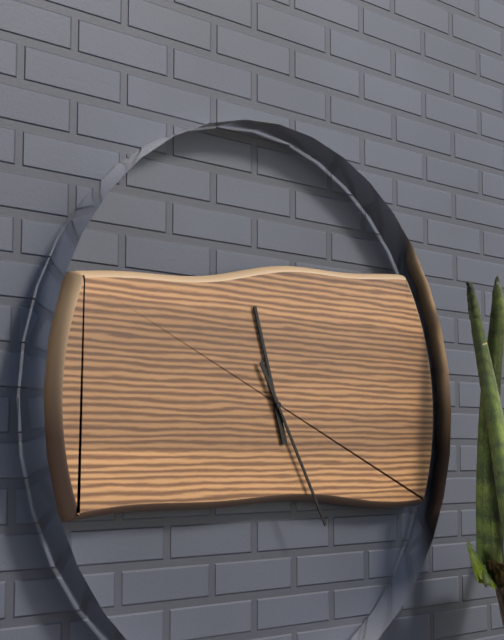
11:25
